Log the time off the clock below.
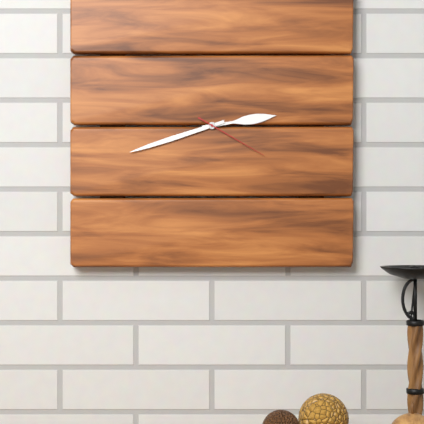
2:42:20
